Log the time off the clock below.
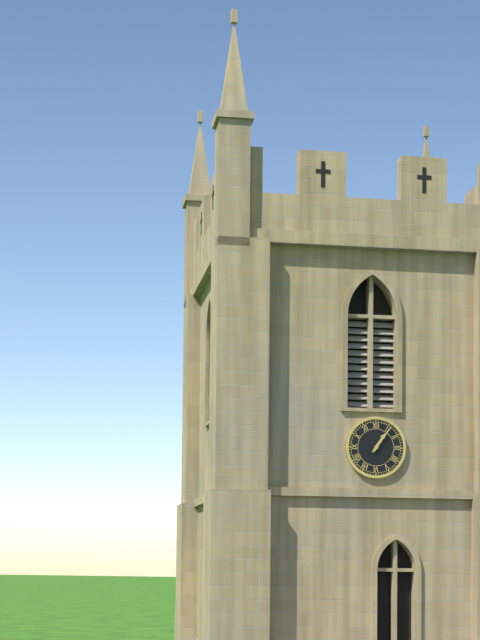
1:06
